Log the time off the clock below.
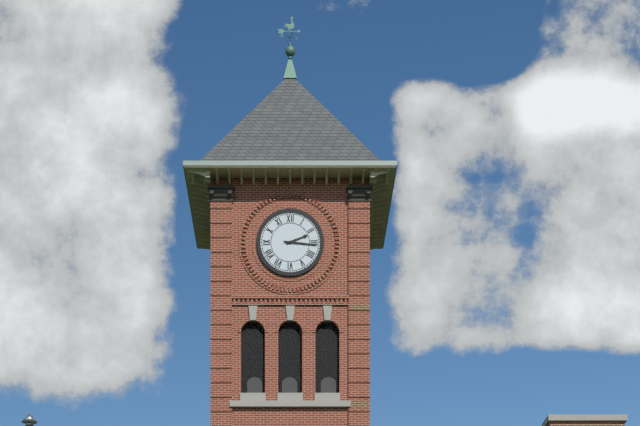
2:16
